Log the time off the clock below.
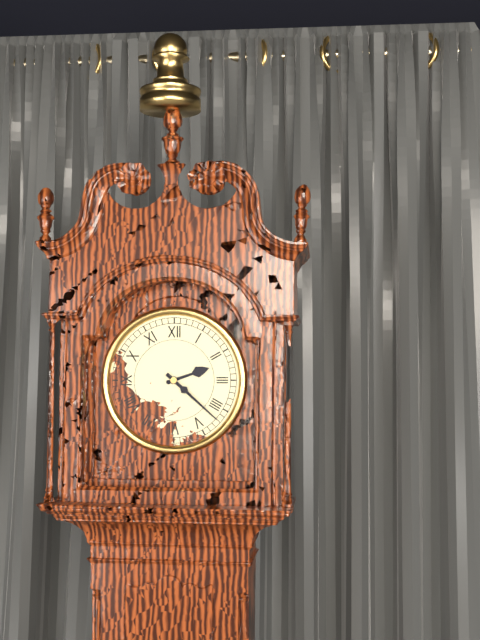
2:22
